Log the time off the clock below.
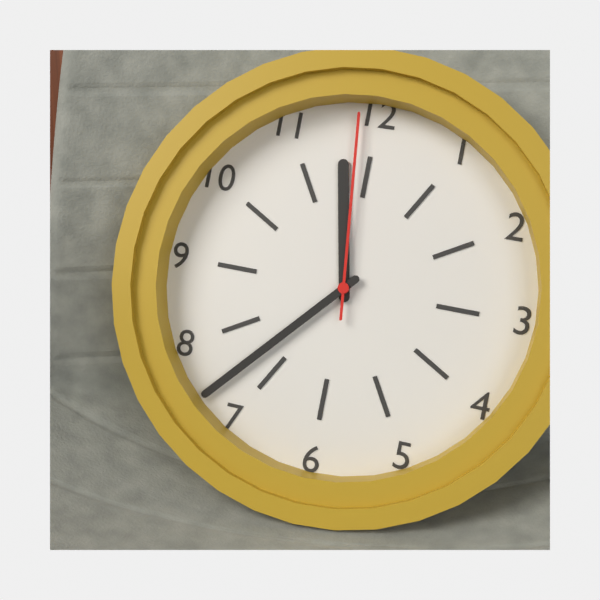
11:37:59
